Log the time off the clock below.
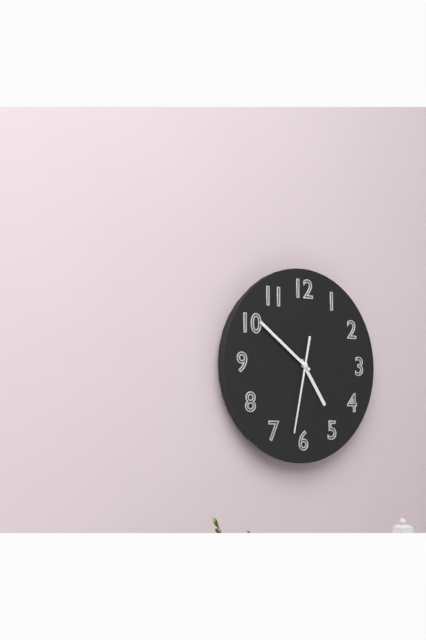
4:51:32
